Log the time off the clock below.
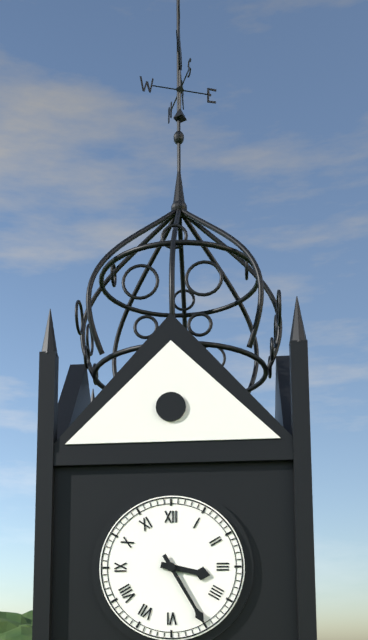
3:25
